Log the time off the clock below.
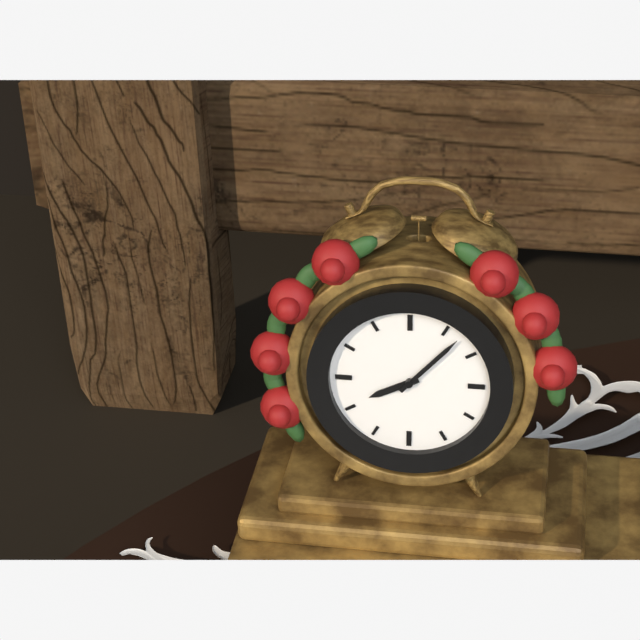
8:07
